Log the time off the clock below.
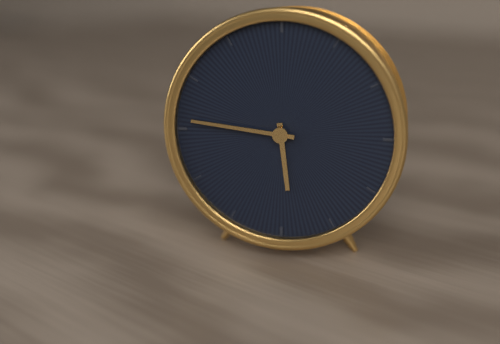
5:46
